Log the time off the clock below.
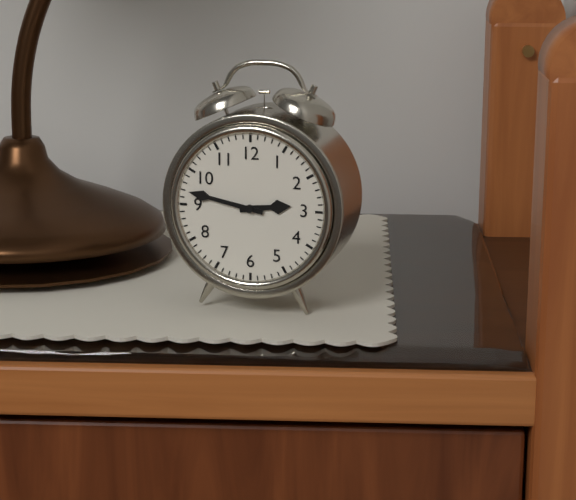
2:47
